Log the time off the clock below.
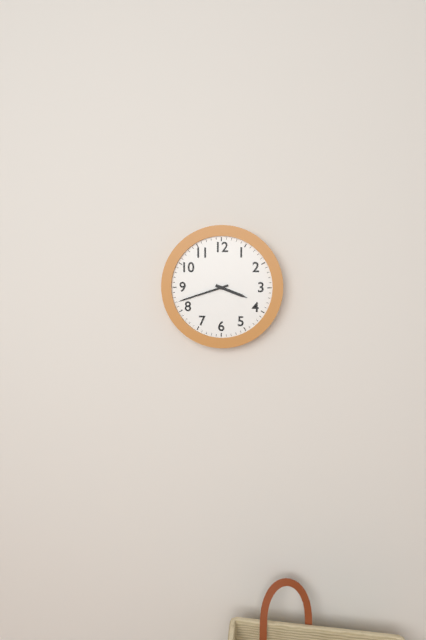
3:42
